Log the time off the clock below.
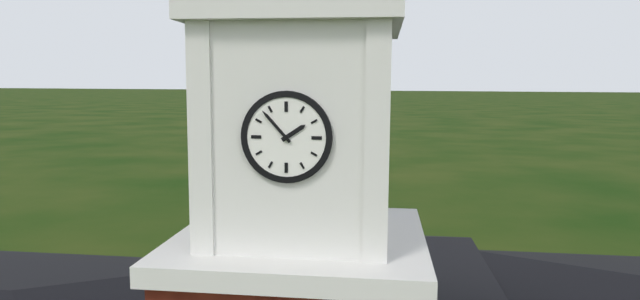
1:53
